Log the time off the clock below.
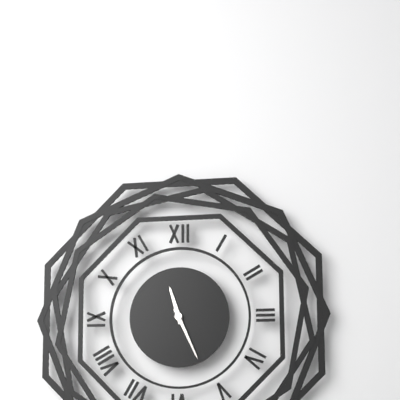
11:26
